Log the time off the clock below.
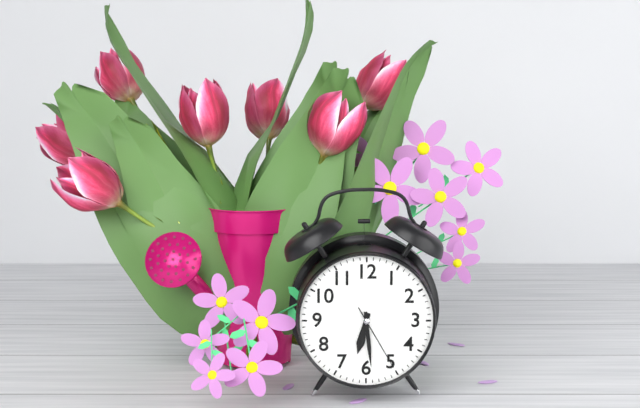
6:29:25
